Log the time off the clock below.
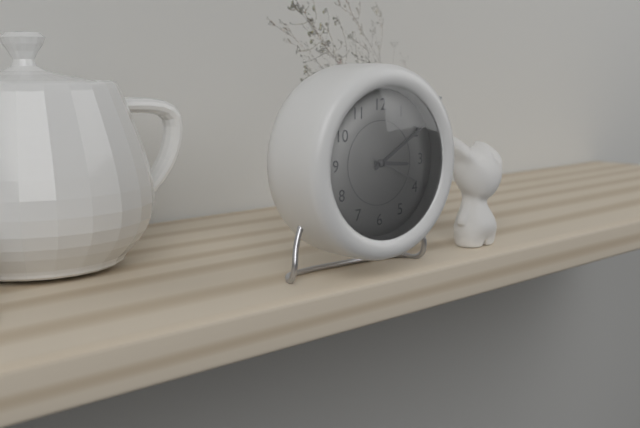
3:10:19
